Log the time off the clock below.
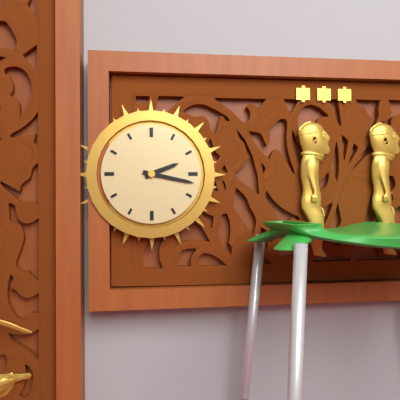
2:17
